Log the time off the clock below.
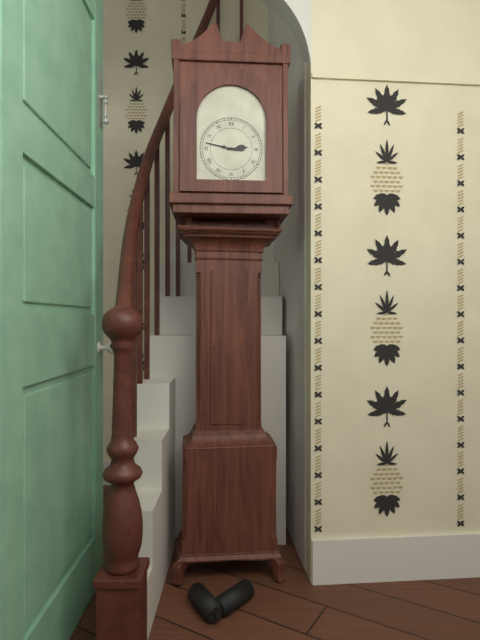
2:47
